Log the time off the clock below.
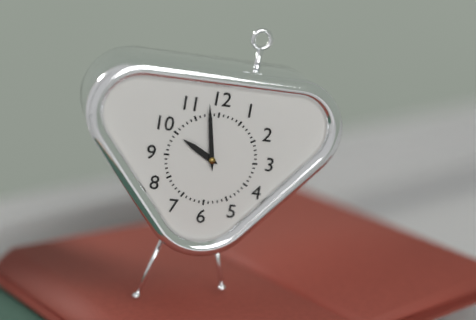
9:58
